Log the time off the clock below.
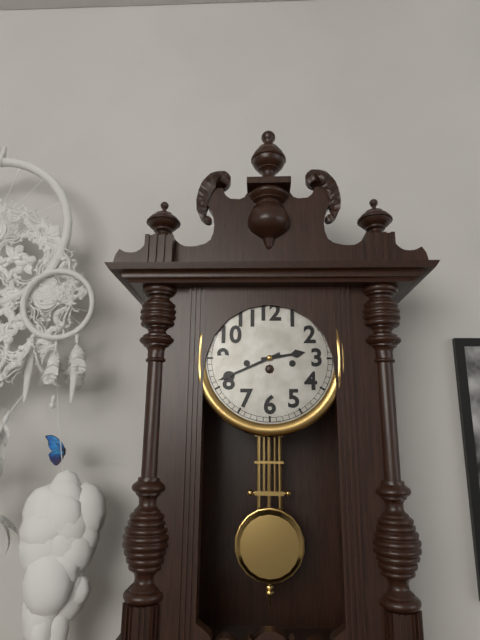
2:41
